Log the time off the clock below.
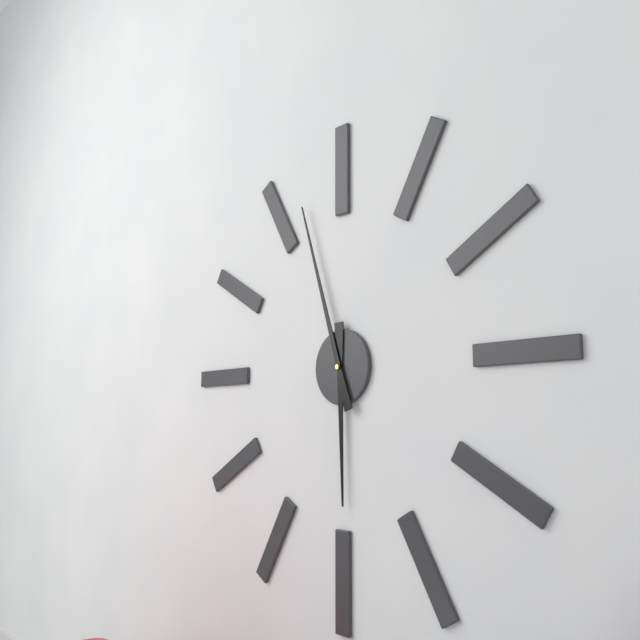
5:57
